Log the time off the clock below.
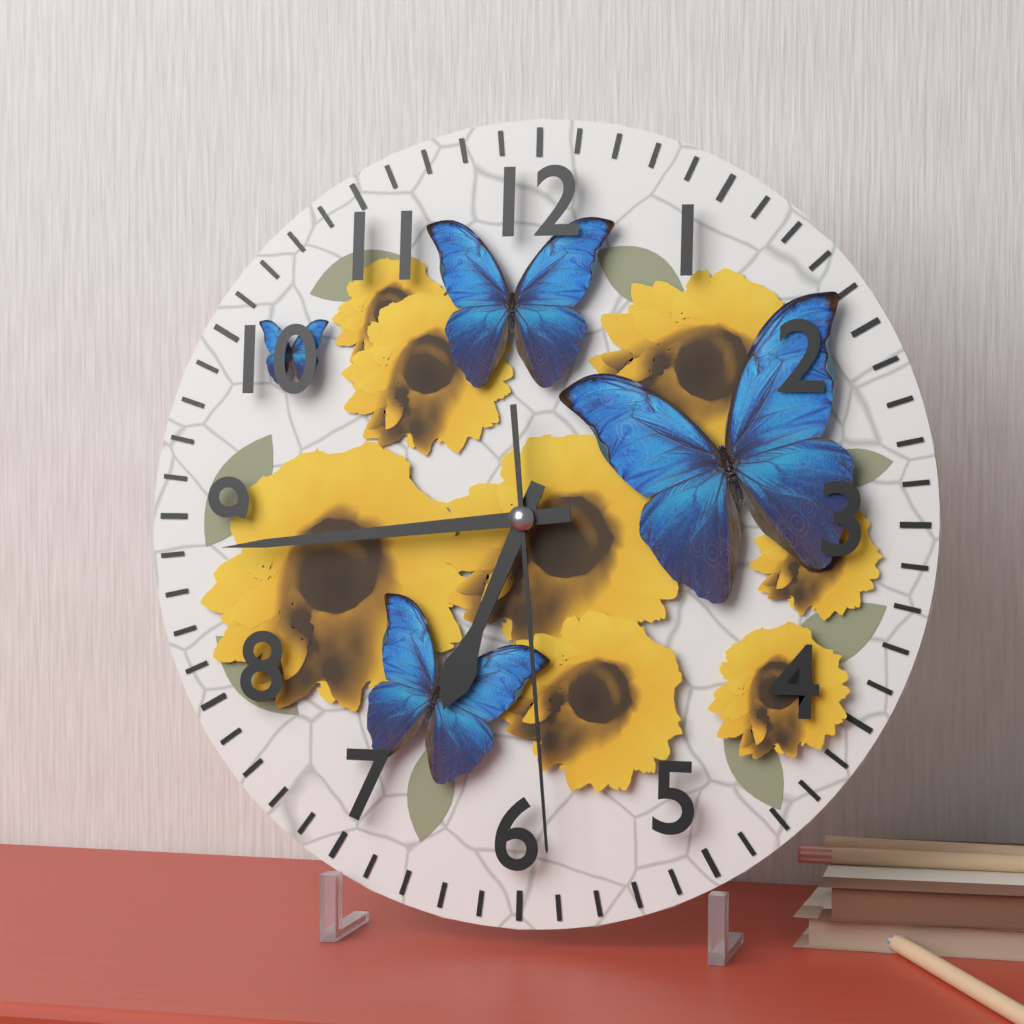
6:44:29
